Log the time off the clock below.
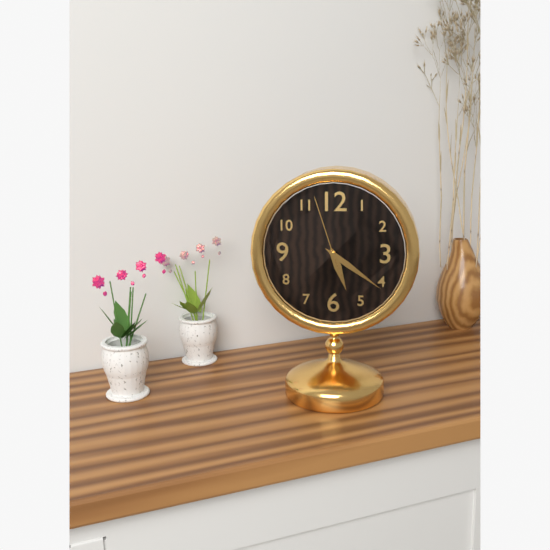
5:21:57
